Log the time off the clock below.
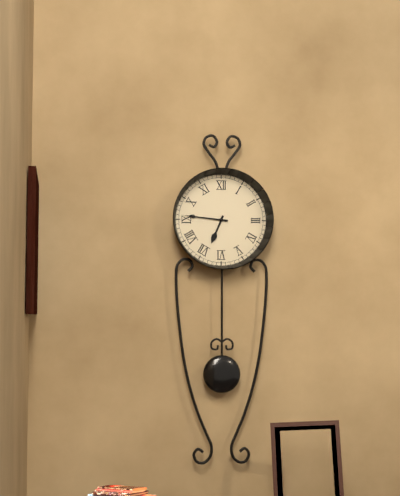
6:46
